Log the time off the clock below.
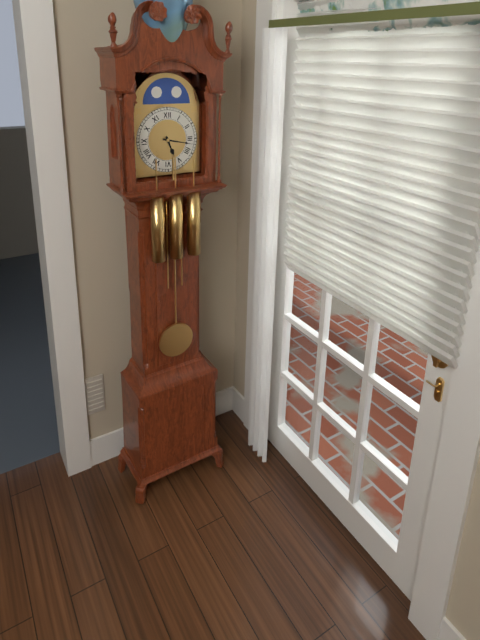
5:17
